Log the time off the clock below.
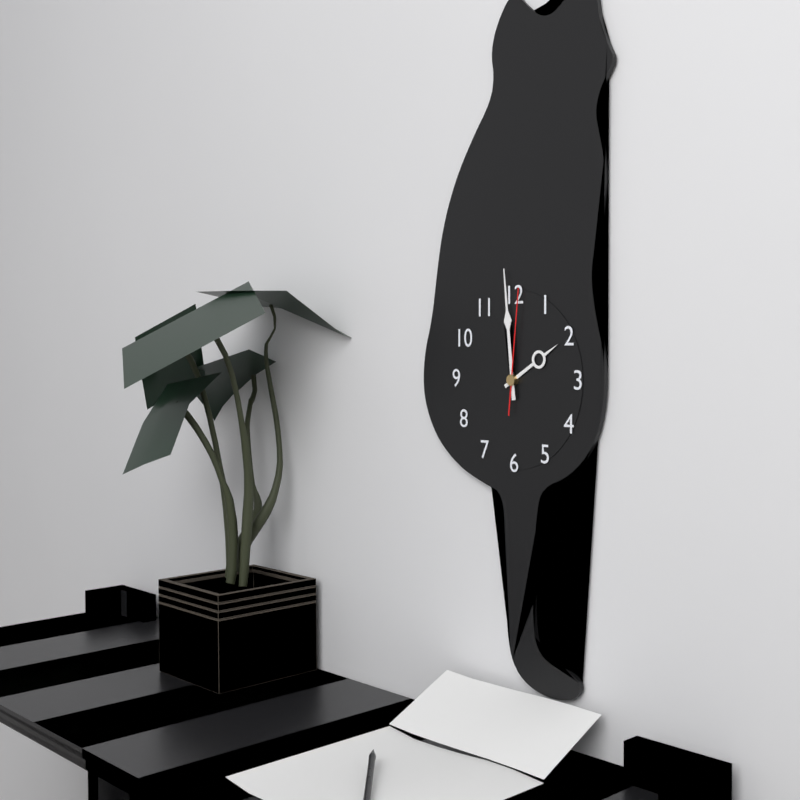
1:59:01
